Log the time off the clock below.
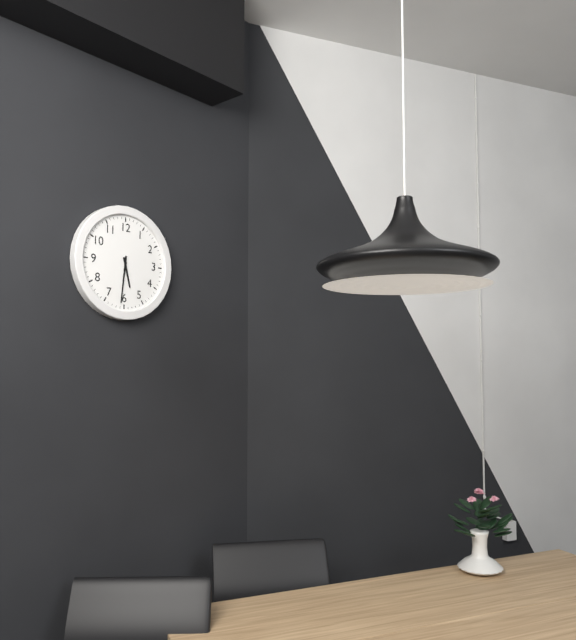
5:31
